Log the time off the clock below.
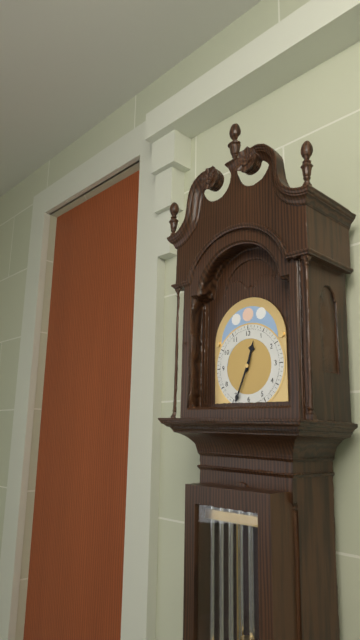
12:34
